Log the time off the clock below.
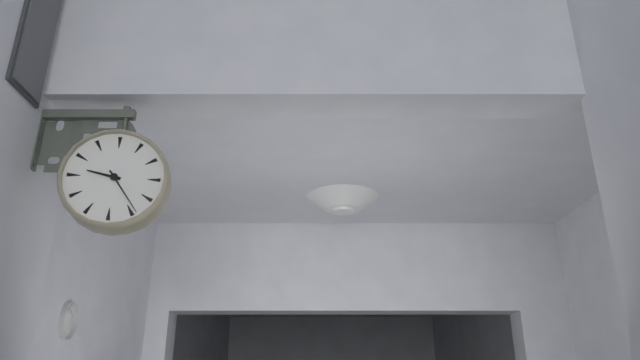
9:24
